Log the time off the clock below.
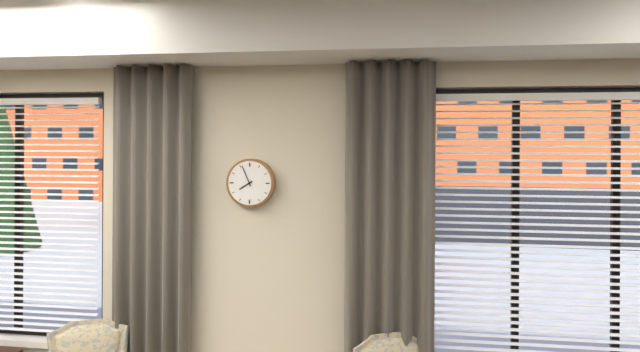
7:56
